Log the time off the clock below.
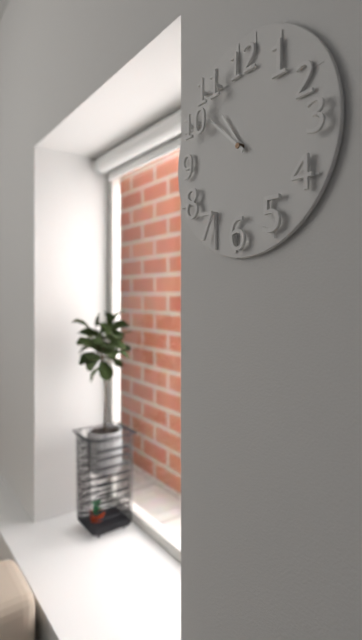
10:52
